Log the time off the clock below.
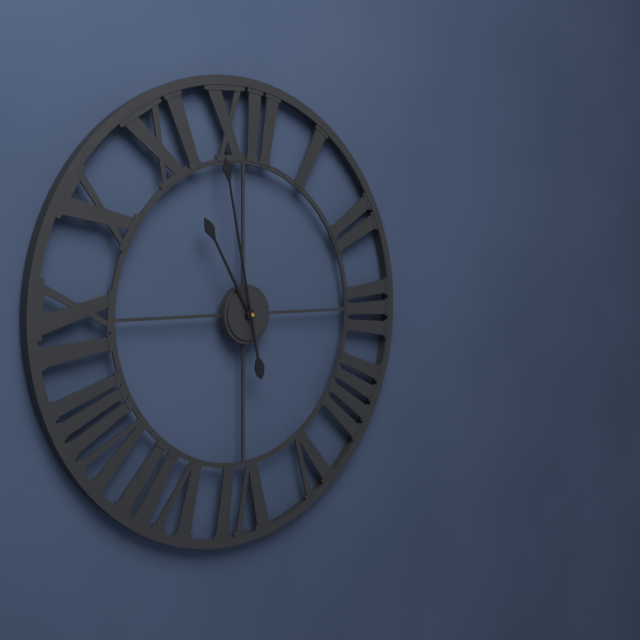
10:58
